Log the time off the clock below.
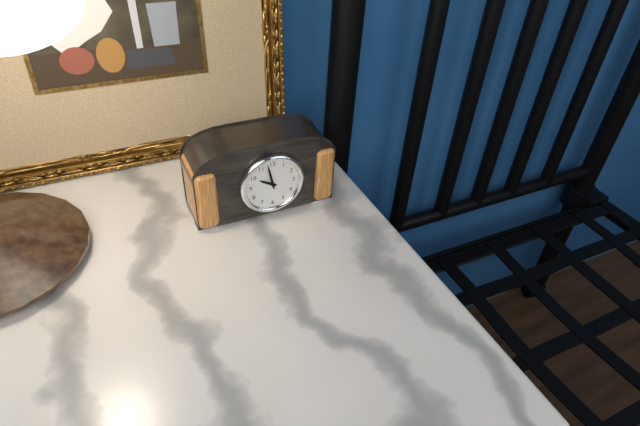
9:58
